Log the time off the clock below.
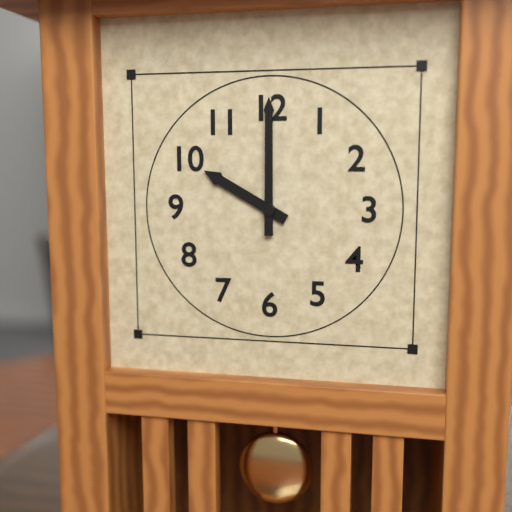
10:00
